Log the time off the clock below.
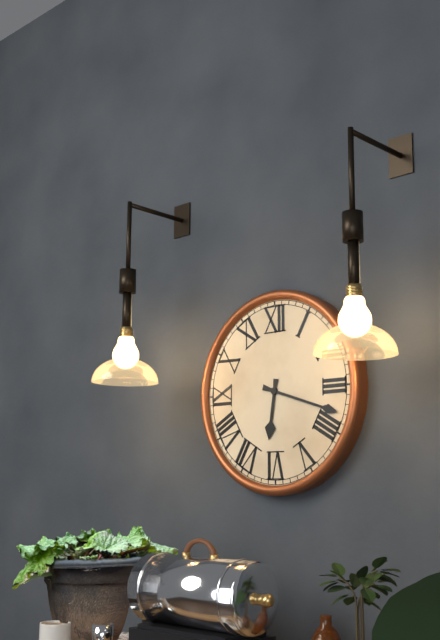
6:18
